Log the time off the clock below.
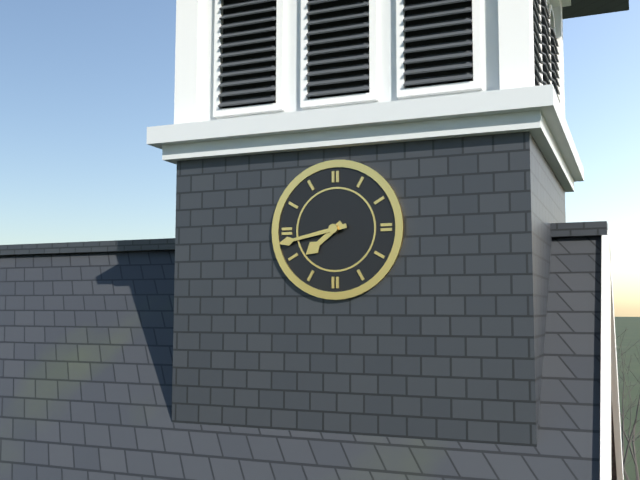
7:43
